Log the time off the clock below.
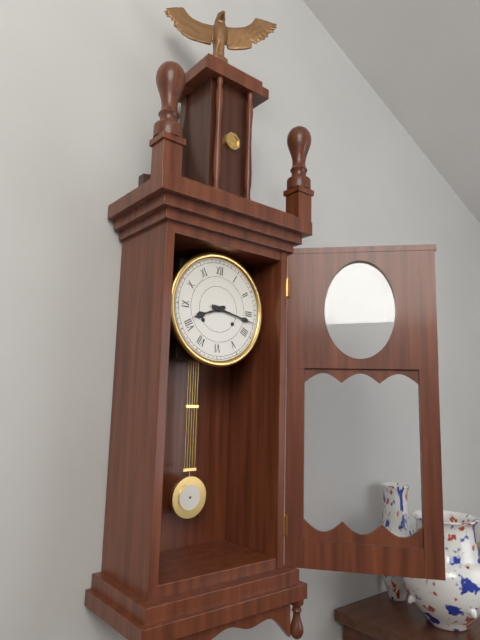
8:17
